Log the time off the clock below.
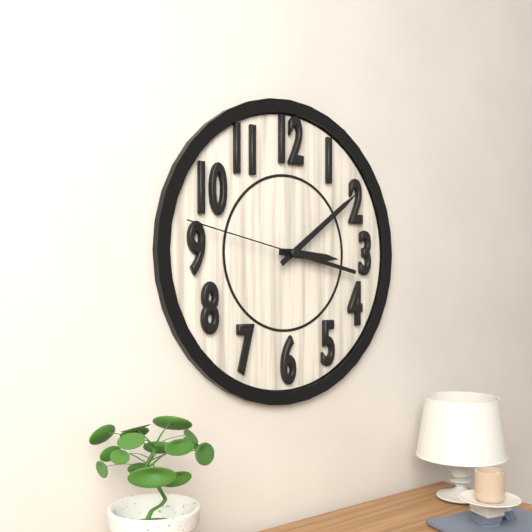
3:09:47
